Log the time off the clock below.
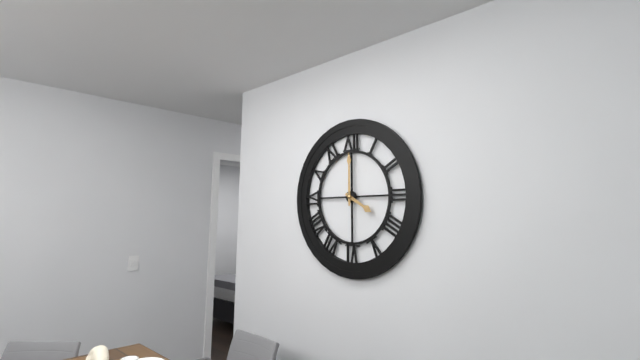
4:00
